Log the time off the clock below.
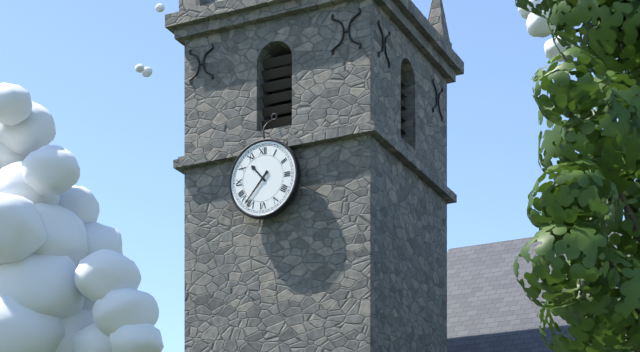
10:37
